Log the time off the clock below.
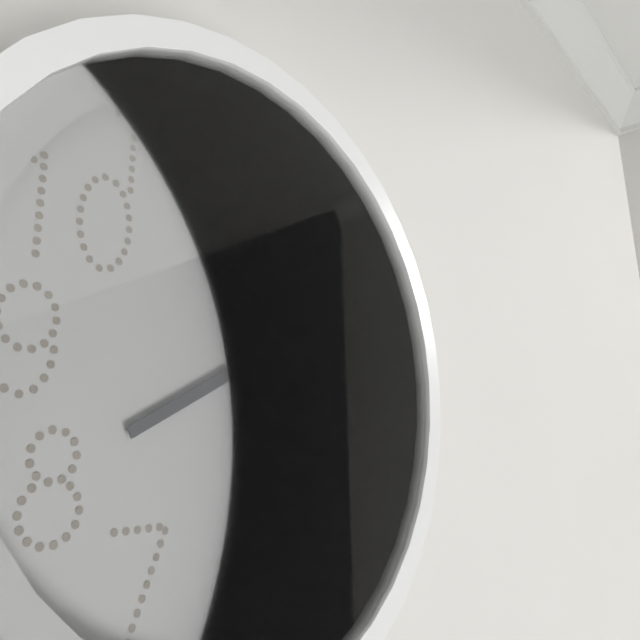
8:04
